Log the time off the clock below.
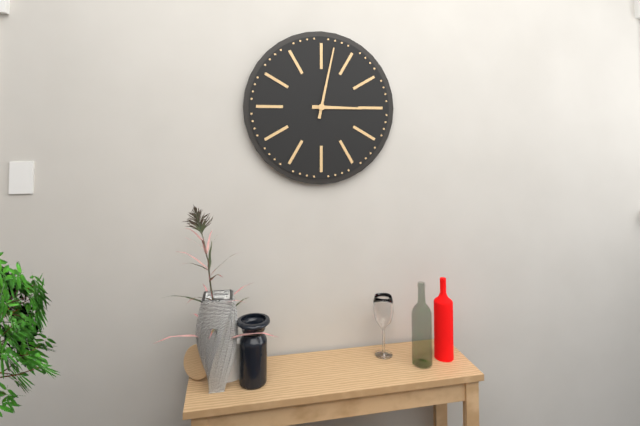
3:02
